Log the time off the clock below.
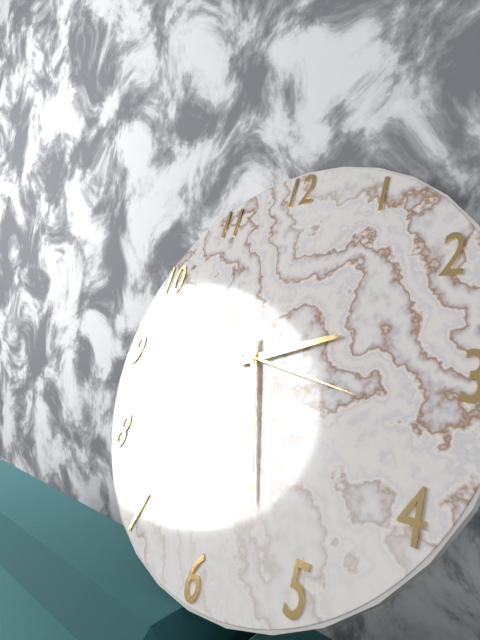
2:27:17
